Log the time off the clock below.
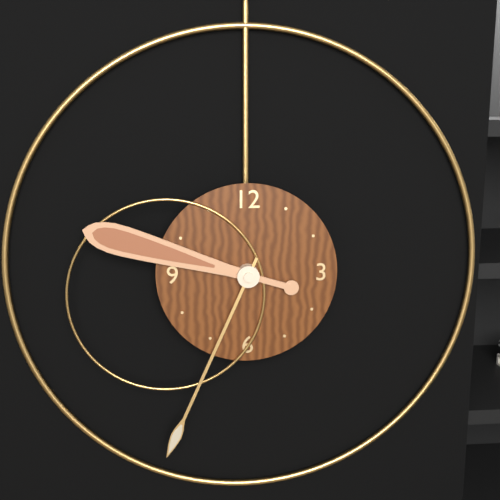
9:34
